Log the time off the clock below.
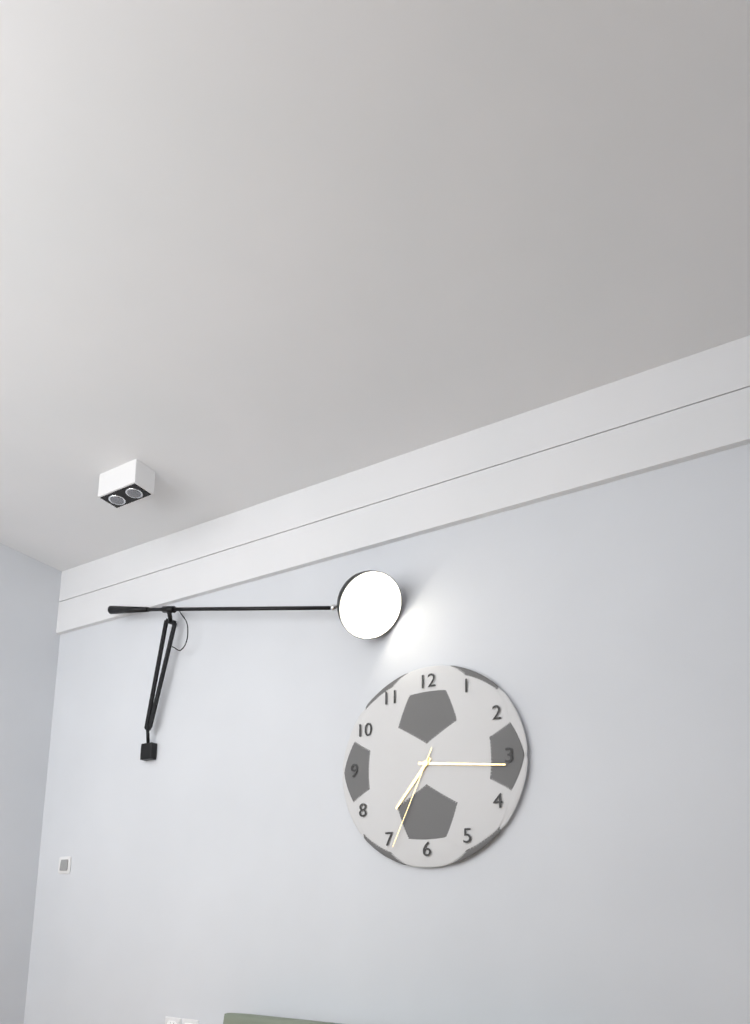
7:16:34
